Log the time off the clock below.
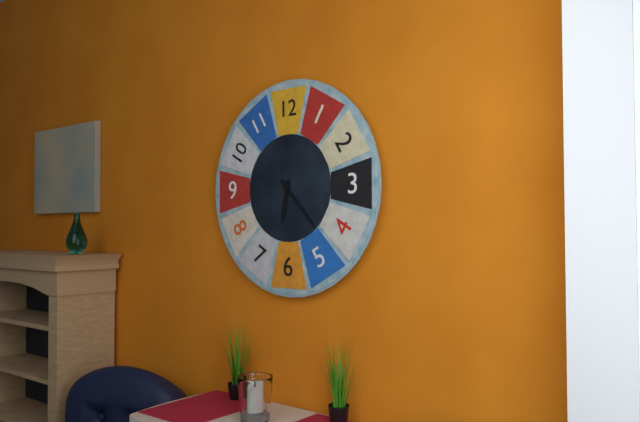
6:23
